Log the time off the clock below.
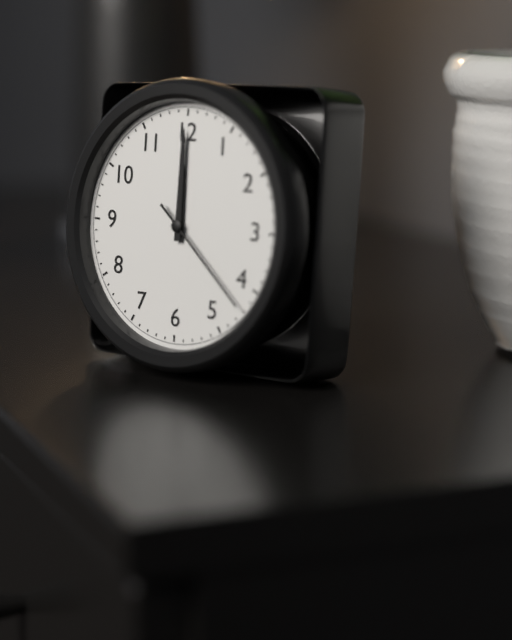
12:00:22
